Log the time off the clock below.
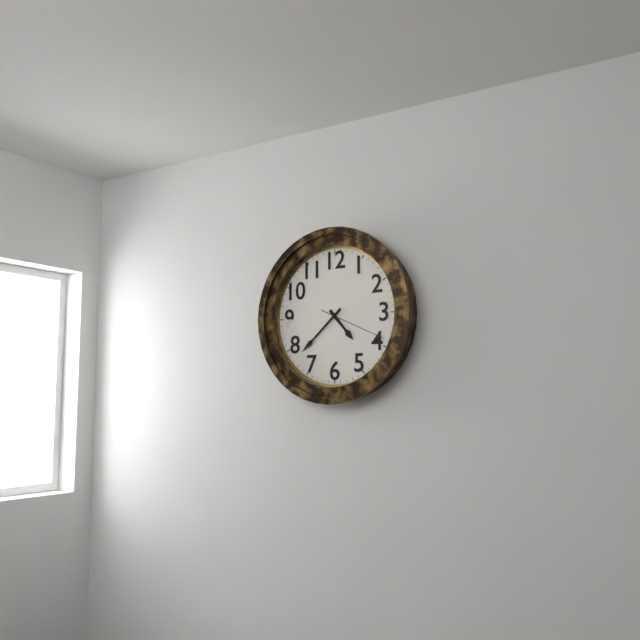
4:38:19
